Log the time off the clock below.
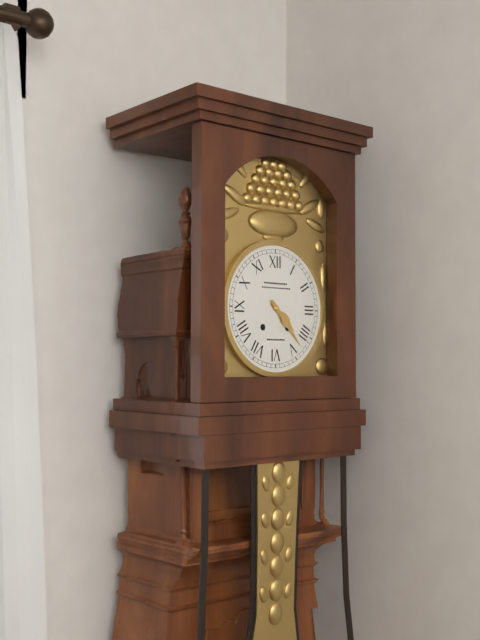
4:23
